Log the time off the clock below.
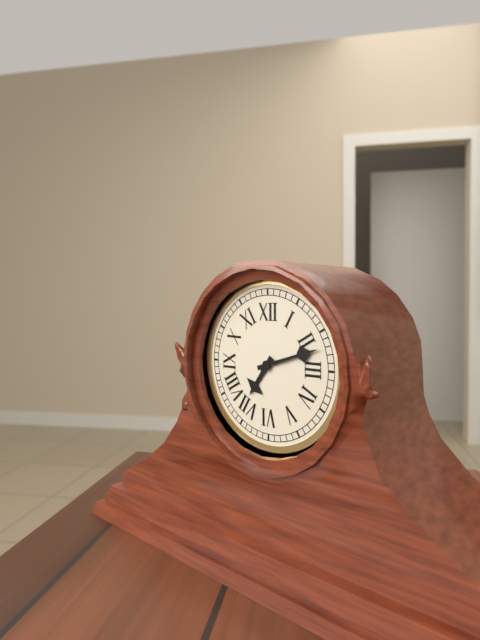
7:12
